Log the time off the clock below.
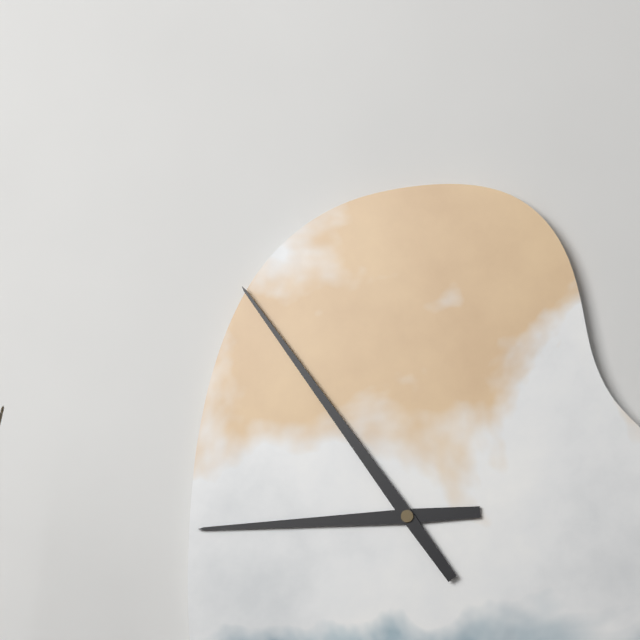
8:54
